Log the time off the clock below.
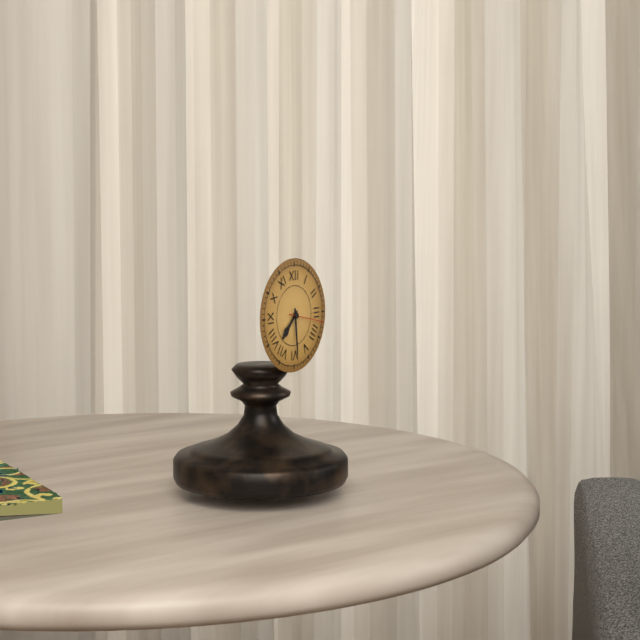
7:29
